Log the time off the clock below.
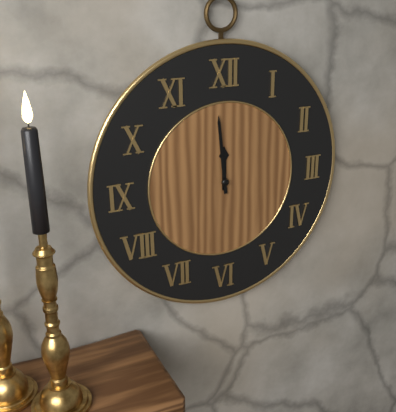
11:59
